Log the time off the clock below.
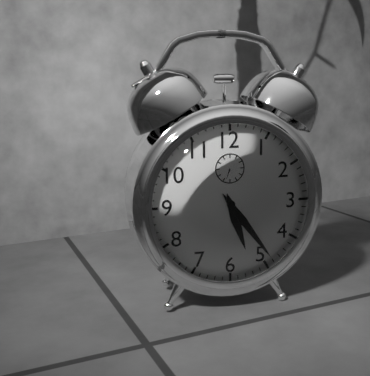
5:24
